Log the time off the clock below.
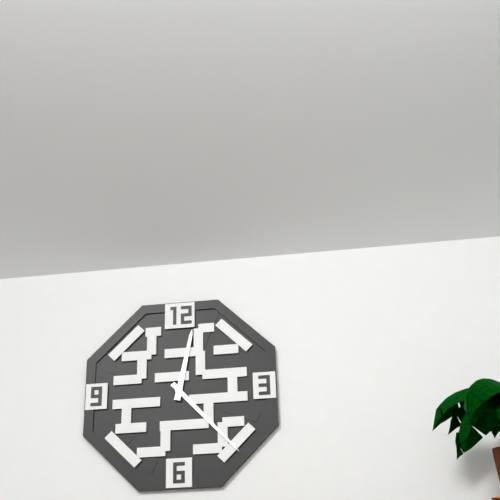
12:23
